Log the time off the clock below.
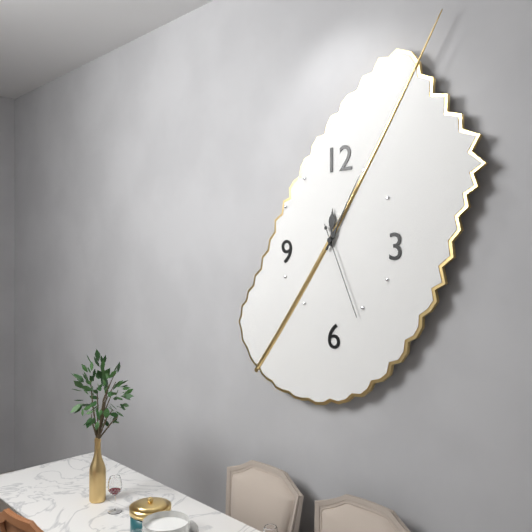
12:05:26
